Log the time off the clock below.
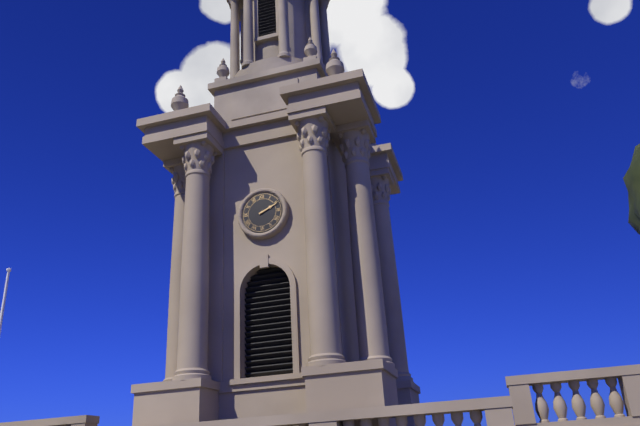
2:11
